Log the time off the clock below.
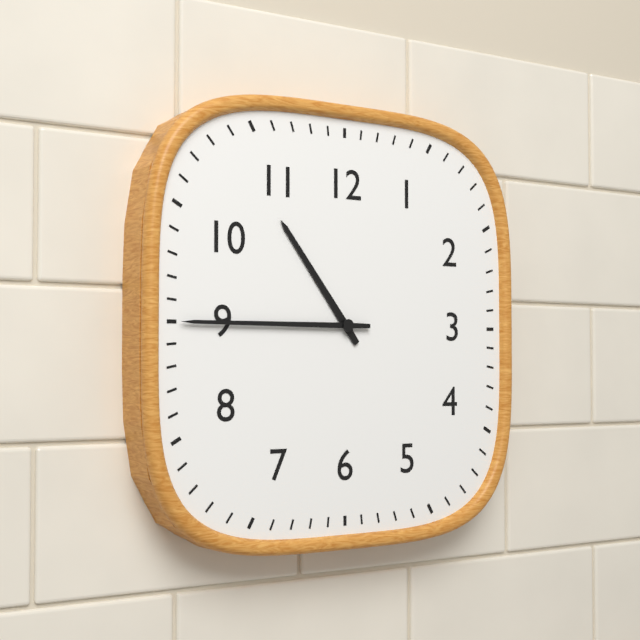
10:45
